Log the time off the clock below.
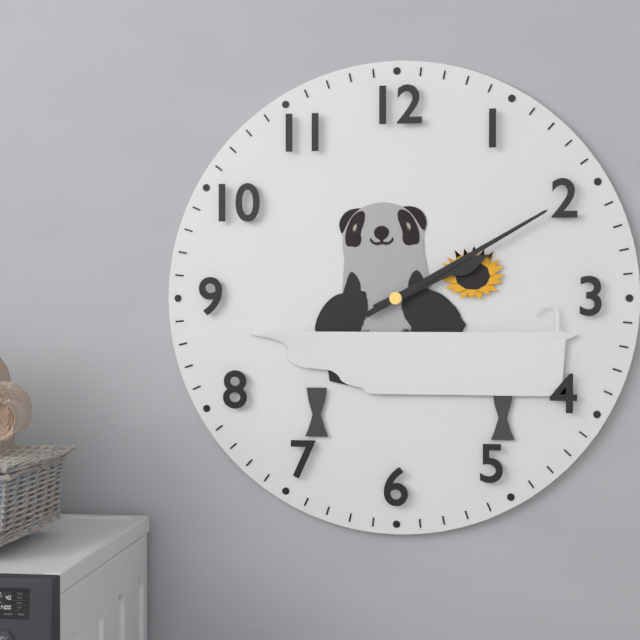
2:10
